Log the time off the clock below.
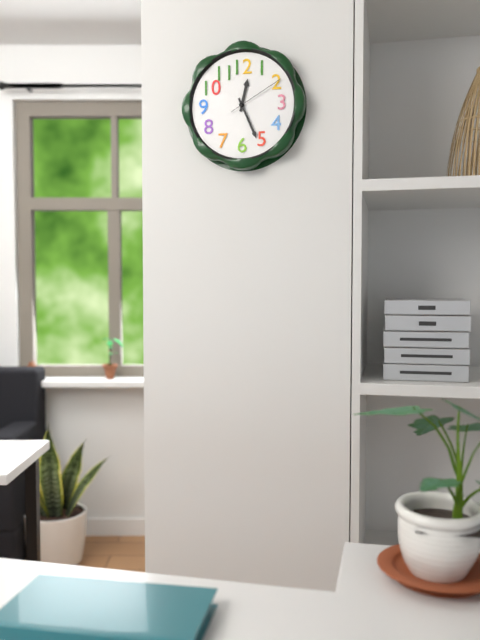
12:26:10
